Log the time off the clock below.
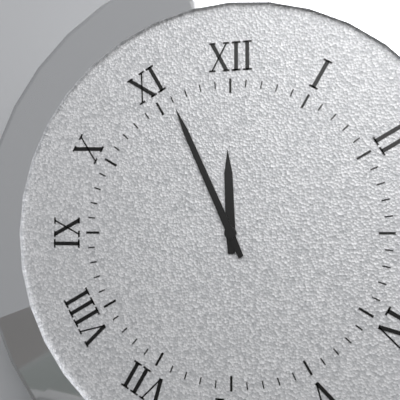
11:56
